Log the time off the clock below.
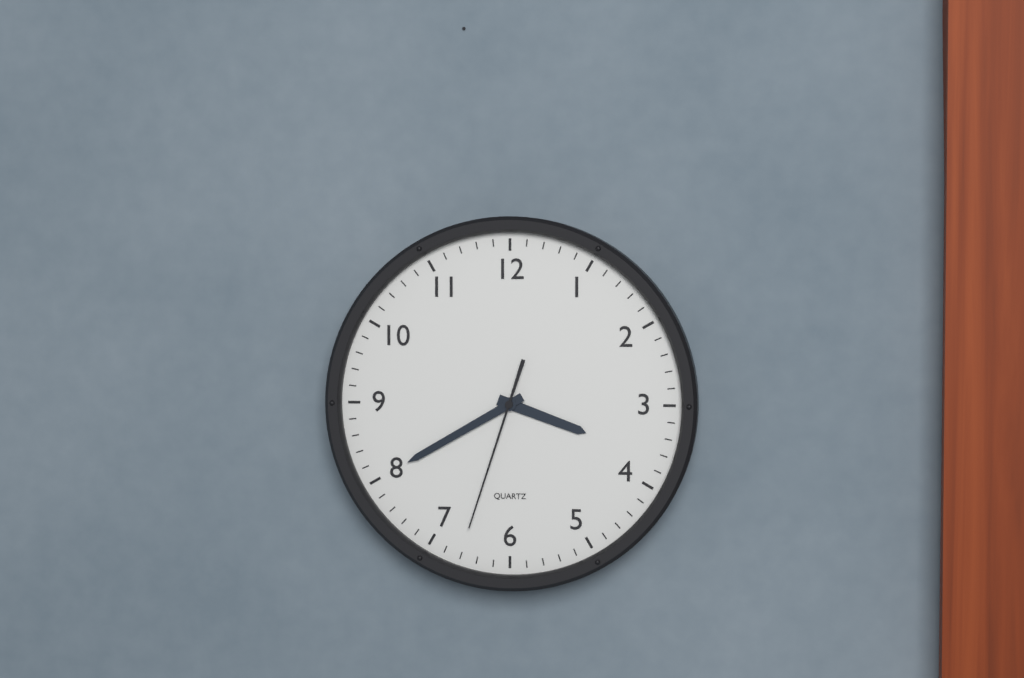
3:40:33
